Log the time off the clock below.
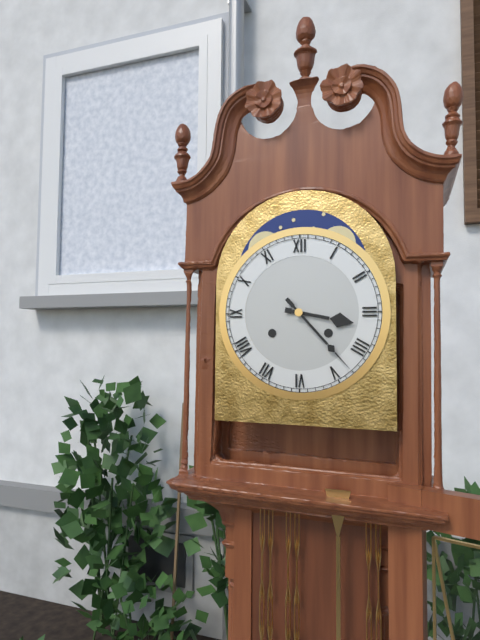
3:23
